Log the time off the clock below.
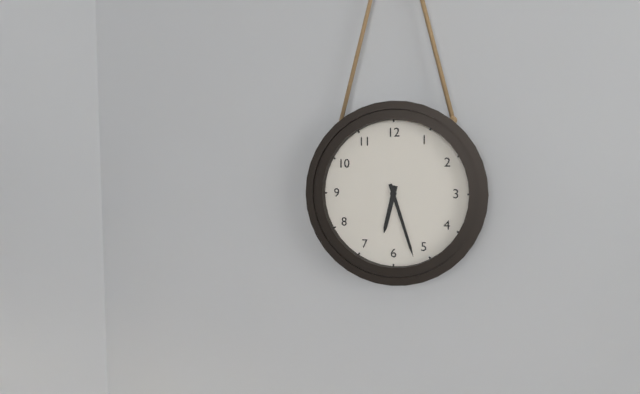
6:27
